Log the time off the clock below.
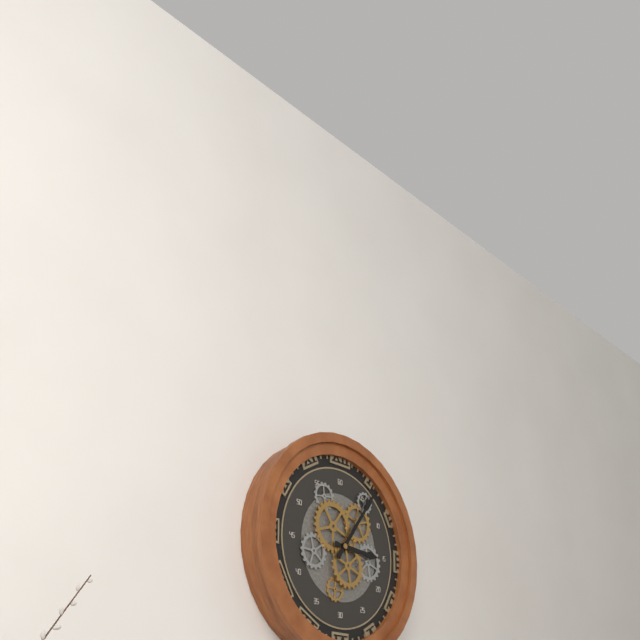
3:06
